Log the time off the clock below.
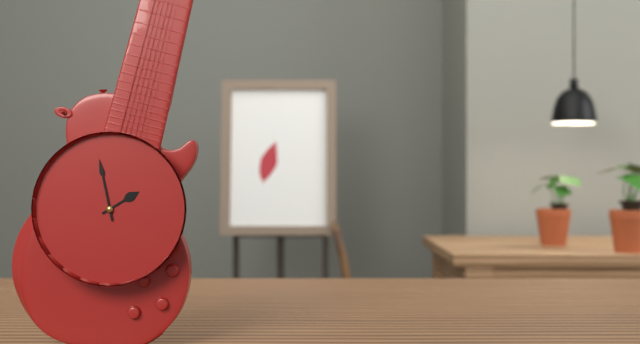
1:58
